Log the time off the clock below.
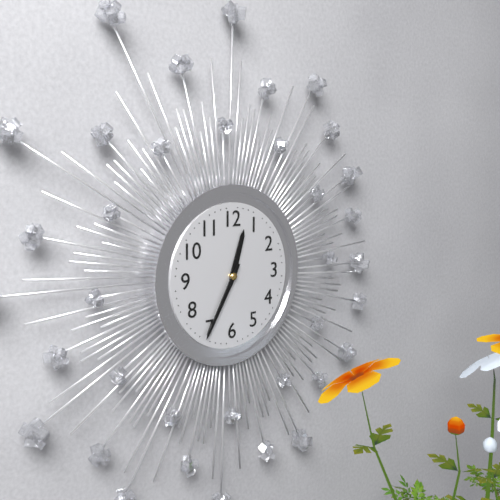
12:35
